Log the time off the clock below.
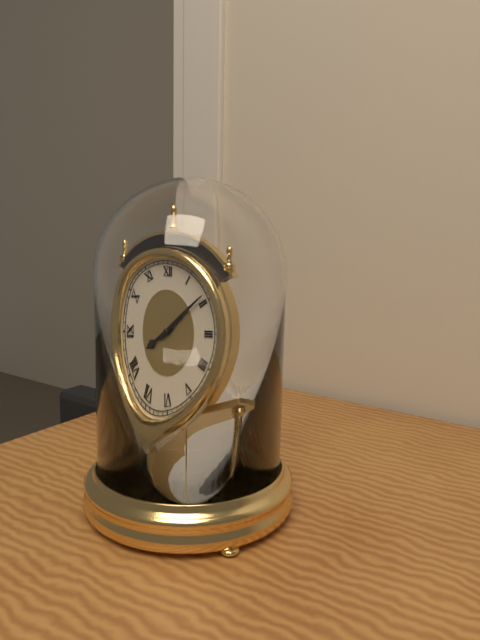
8:09
